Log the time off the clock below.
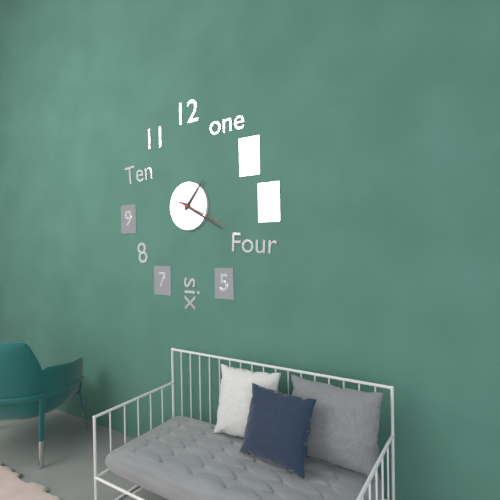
1:20:19
